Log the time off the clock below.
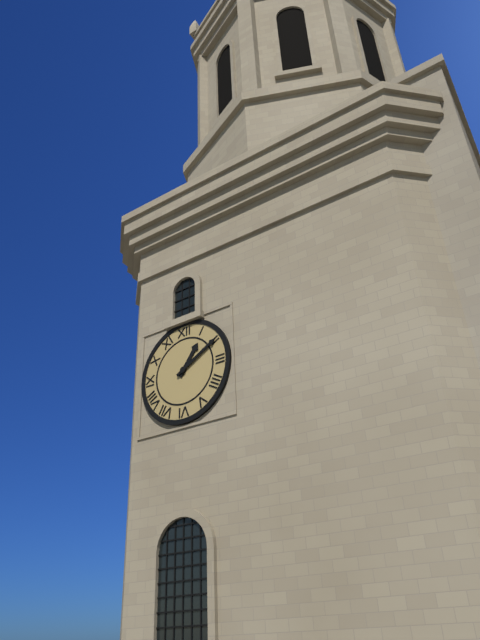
1:10
